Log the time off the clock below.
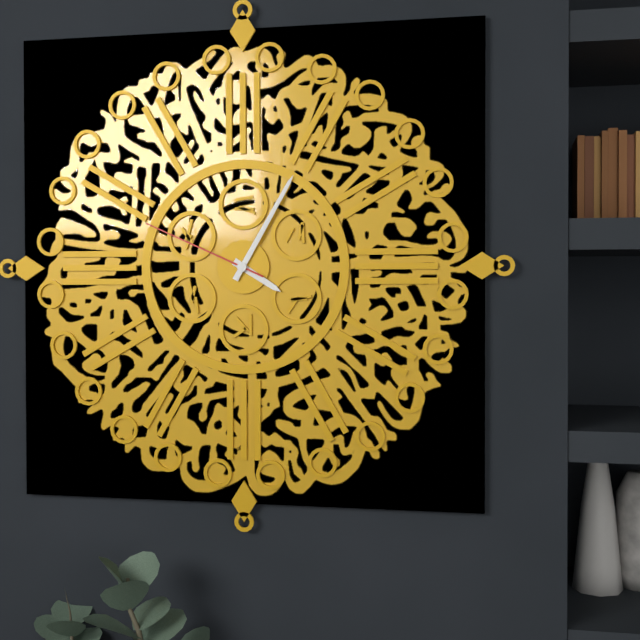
4:05:49
